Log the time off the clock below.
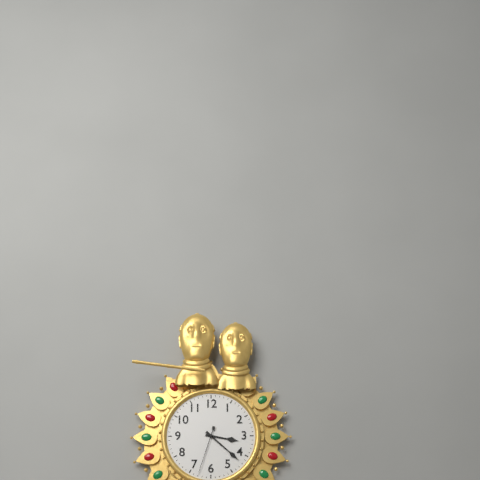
3:22
